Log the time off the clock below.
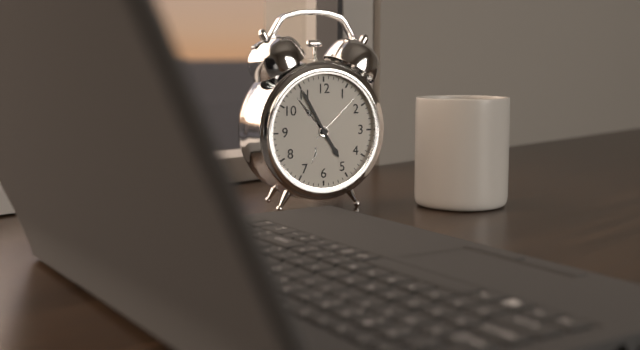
4:55
